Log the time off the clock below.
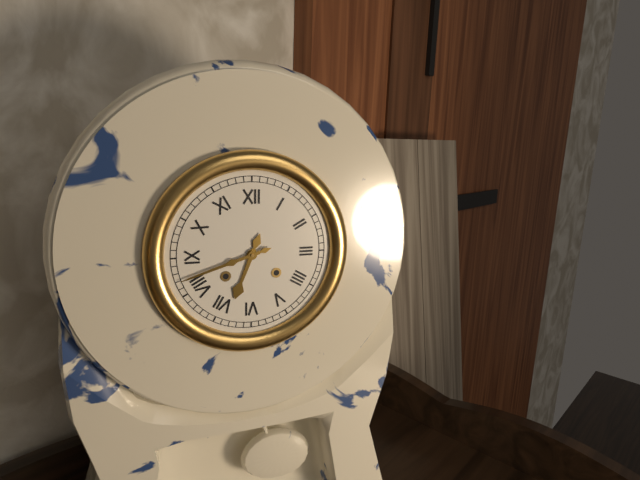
6:42
